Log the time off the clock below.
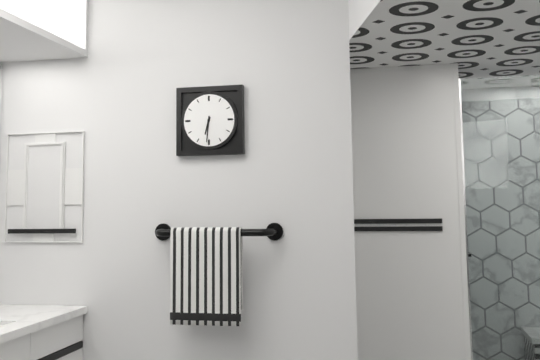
6:31
